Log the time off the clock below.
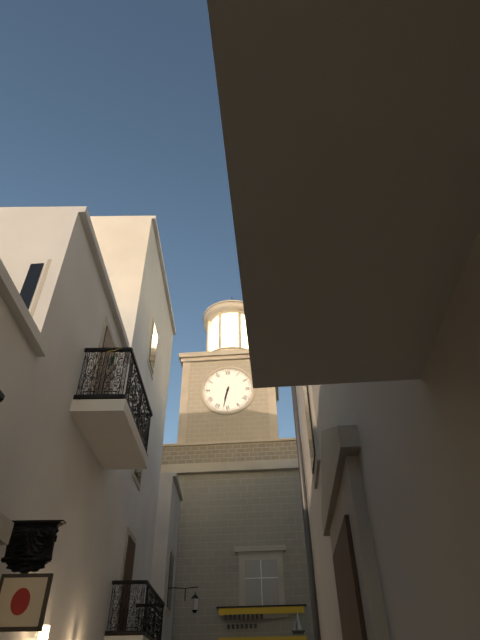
6:32
